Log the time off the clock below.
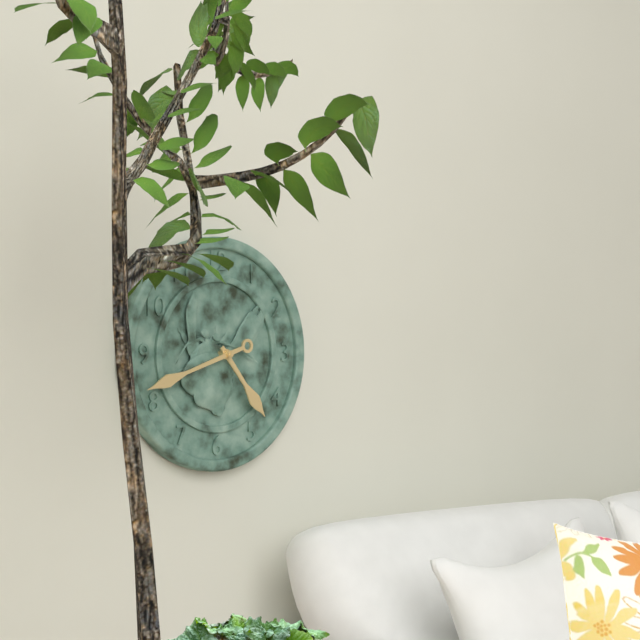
4:42
